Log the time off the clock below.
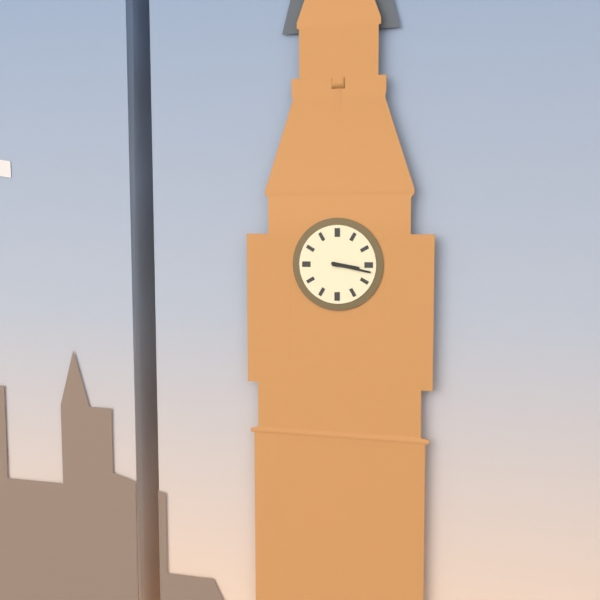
3:17
